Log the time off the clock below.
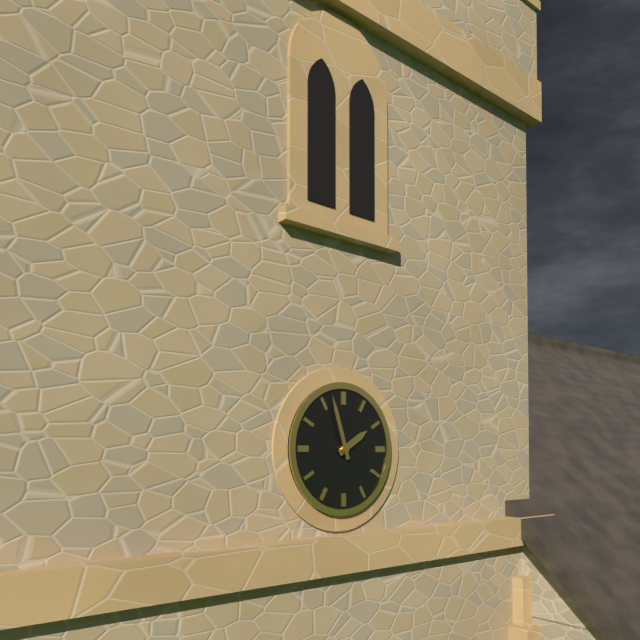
1:57
